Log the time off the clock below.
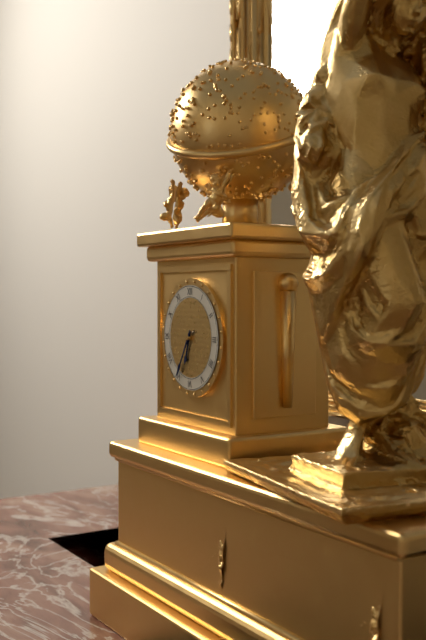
6:35
